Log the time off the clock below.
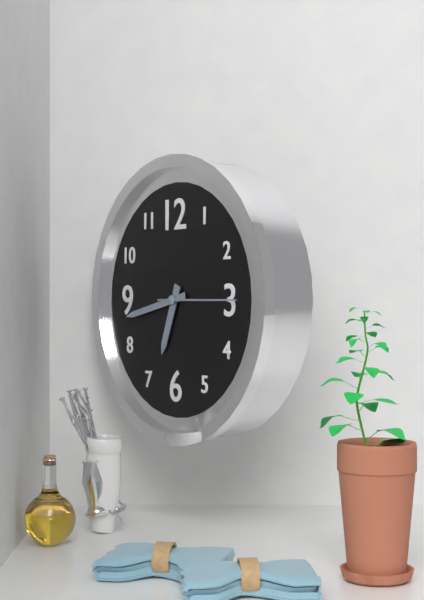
6:43:15
